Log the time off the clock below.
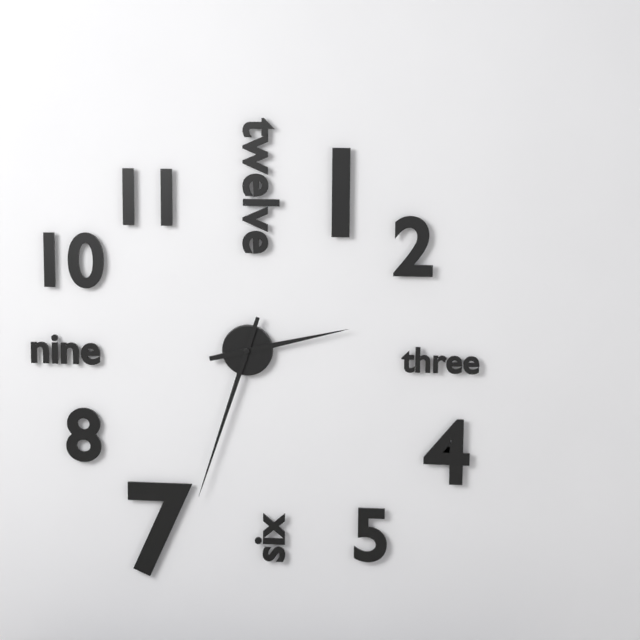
2:33
